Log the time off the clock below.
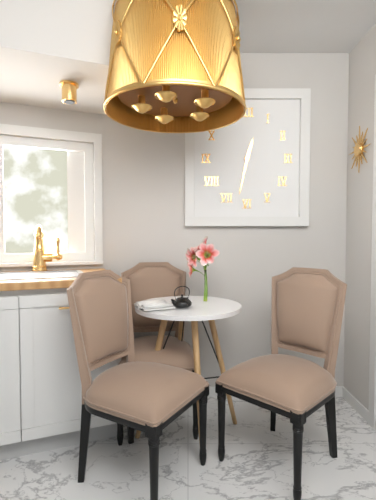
12:32
